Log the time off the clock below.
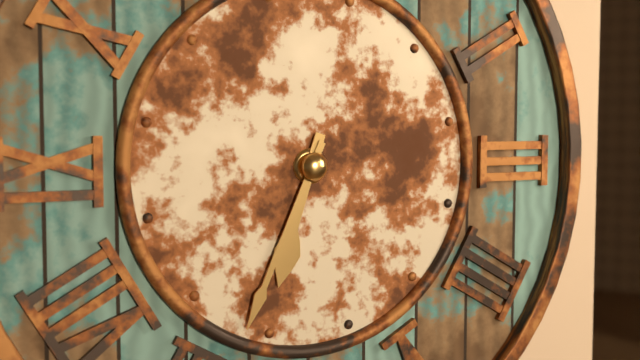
6:34
